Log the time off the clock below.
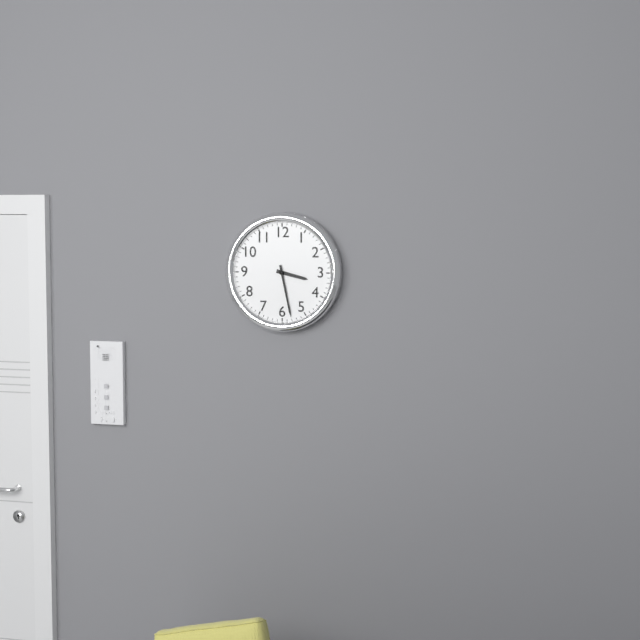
3:28
